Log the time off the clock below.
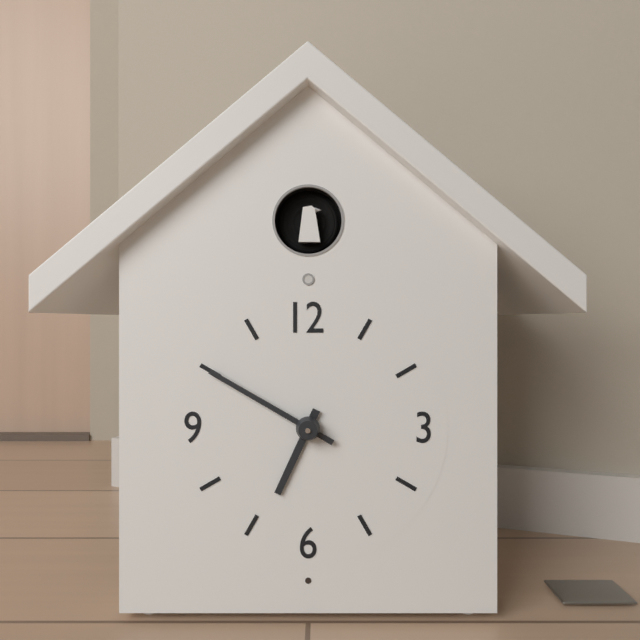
6:50
